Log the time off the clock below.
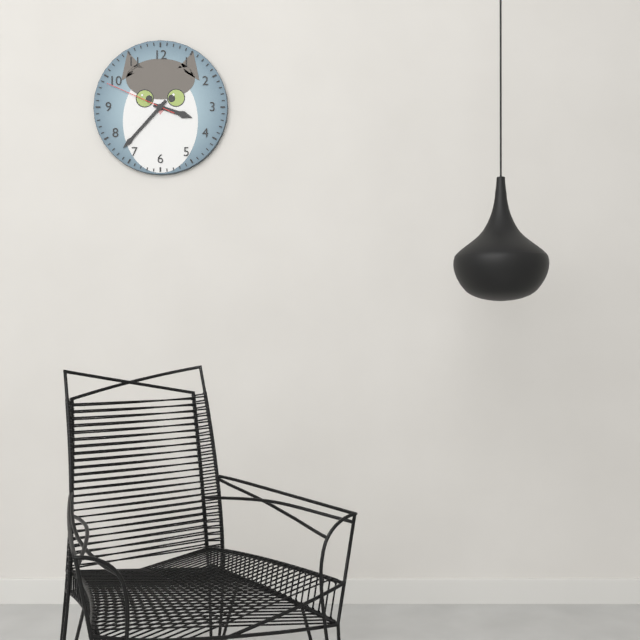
3:37:49
